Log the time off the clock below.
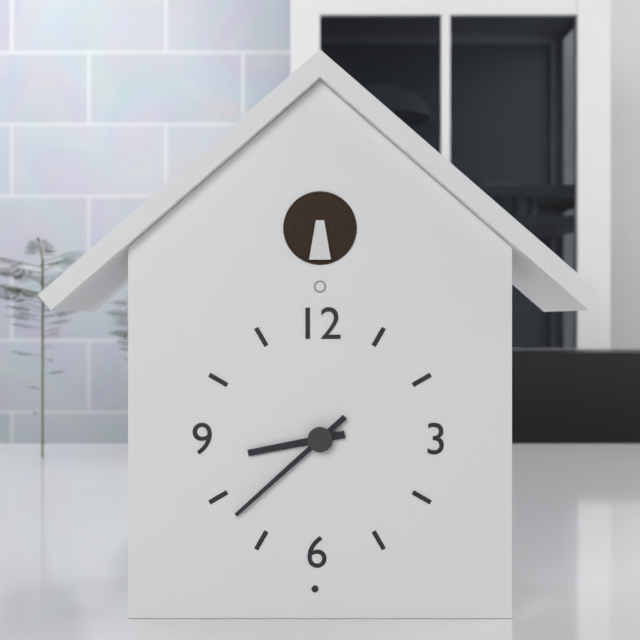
8:38
